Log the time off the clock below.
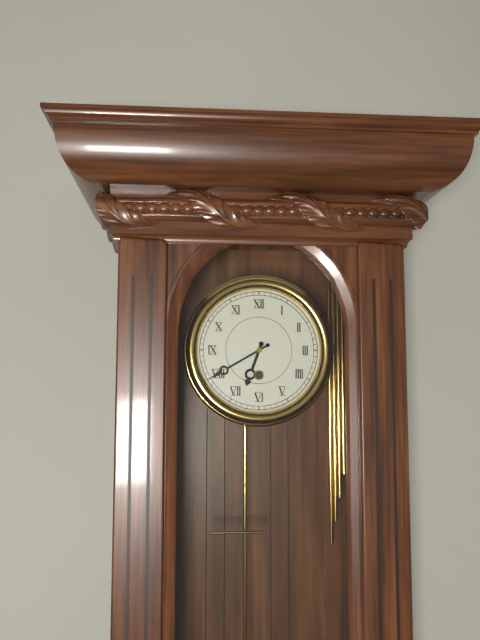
6:40
